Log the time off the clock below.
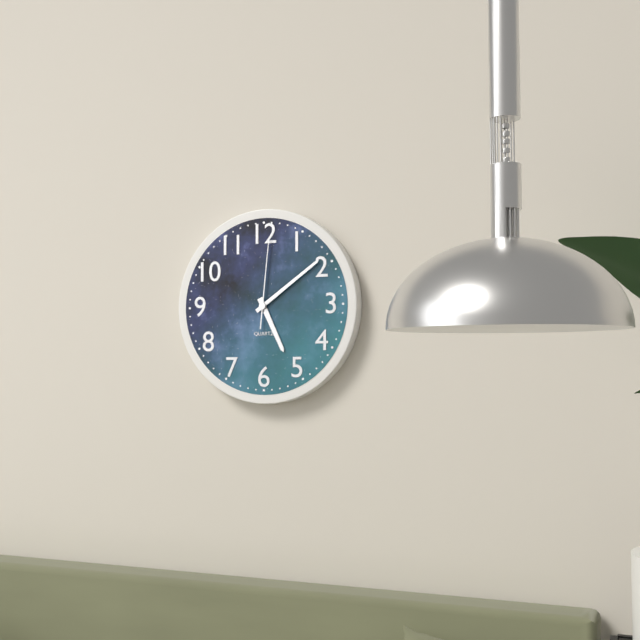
5:09:01
